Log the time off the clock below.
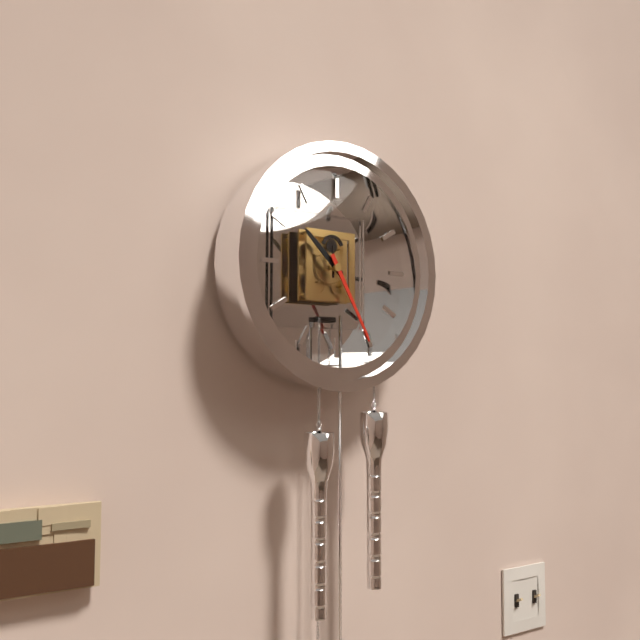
10:25
